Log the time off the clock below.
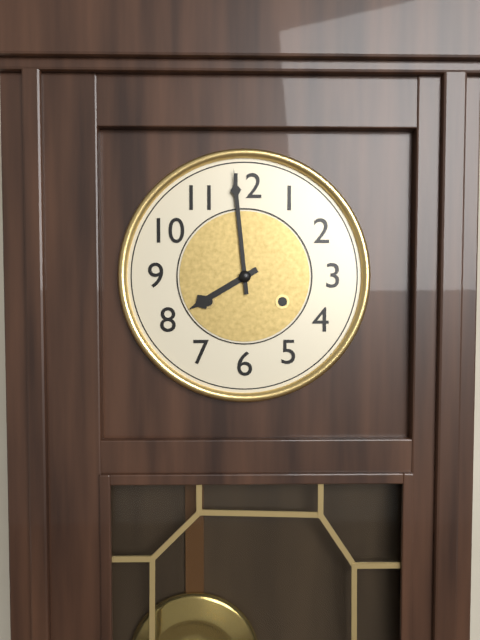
7:59
